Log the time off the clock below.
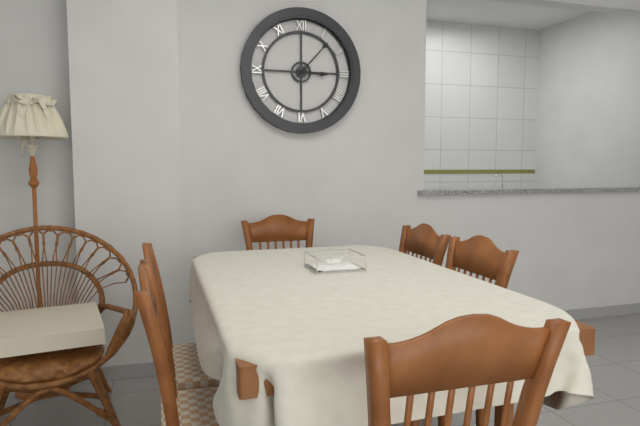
3:07
